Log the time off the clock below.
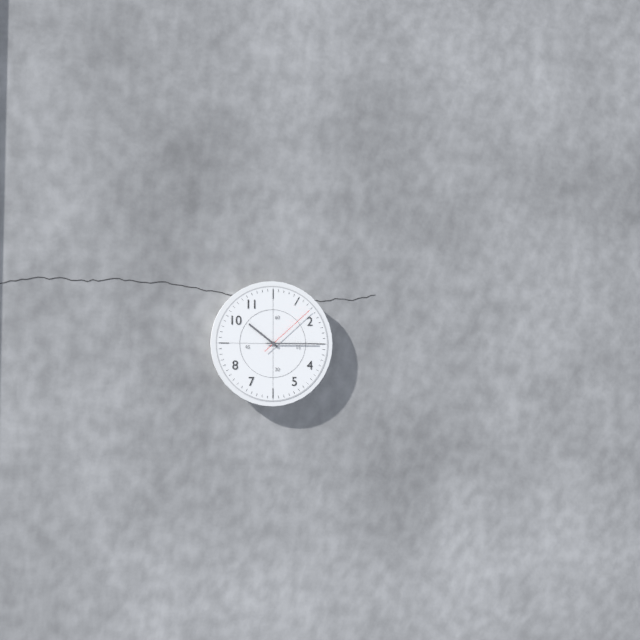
10:15:08
